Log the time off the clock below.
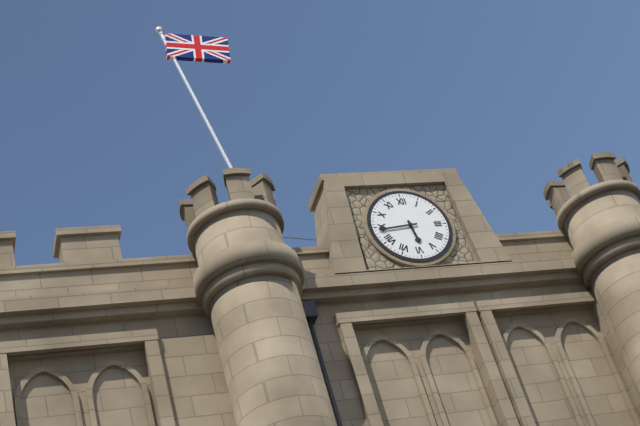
5:44
